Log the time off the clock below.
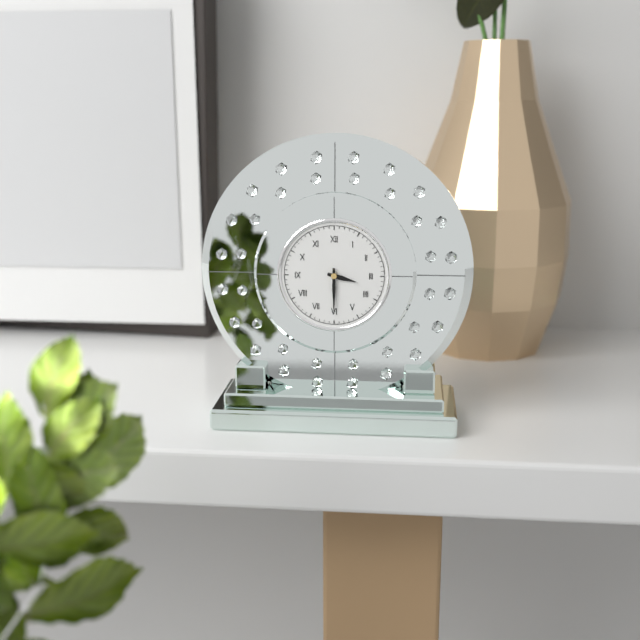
3:30
